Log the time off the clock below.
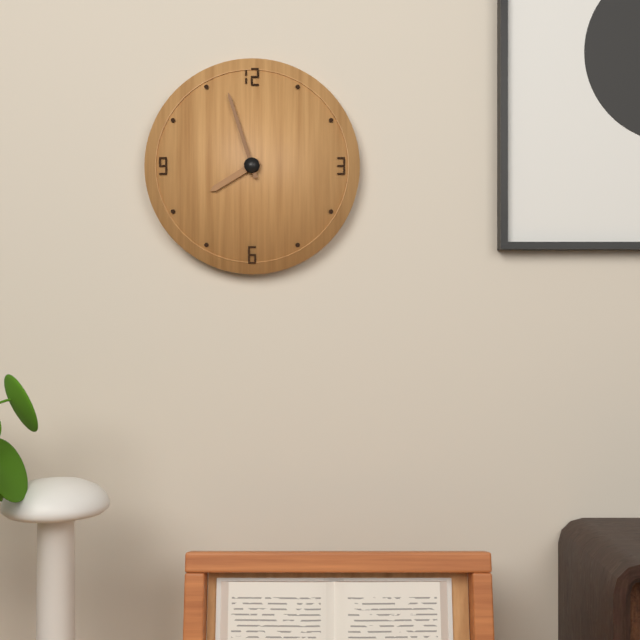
7:57
